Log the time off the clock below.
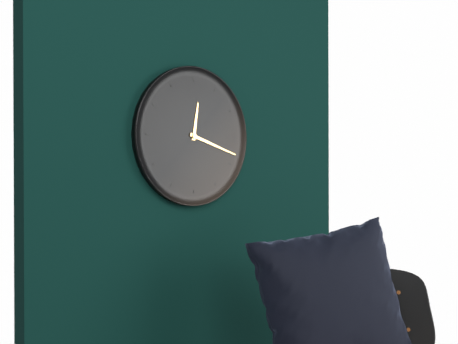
12:18
